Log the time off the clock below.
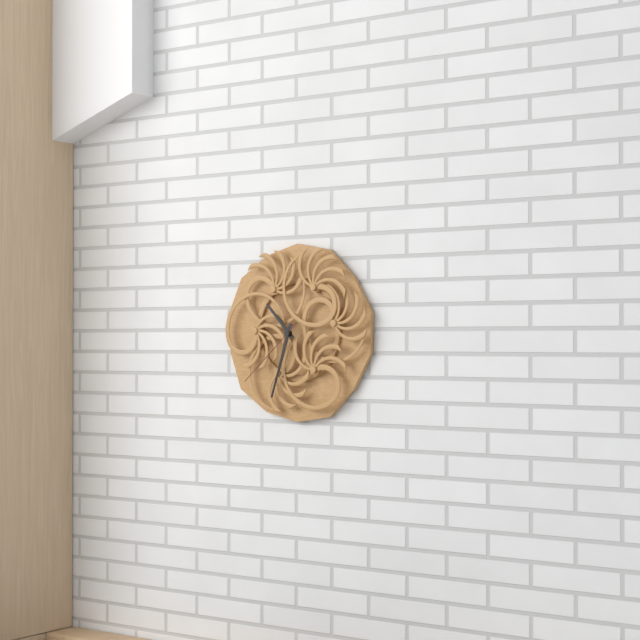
10:33:38
